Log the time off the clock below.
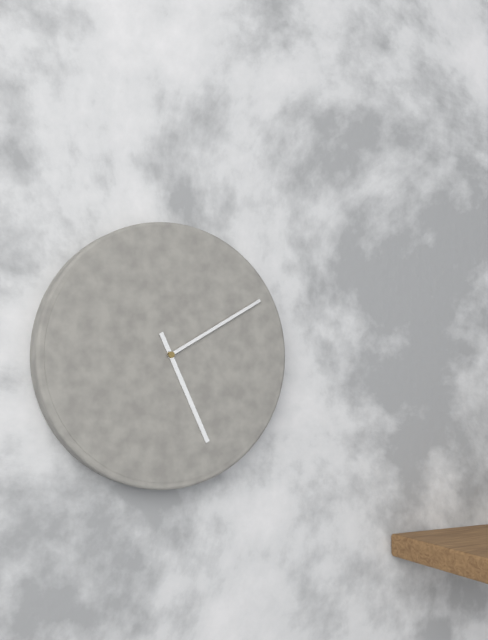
5:10
